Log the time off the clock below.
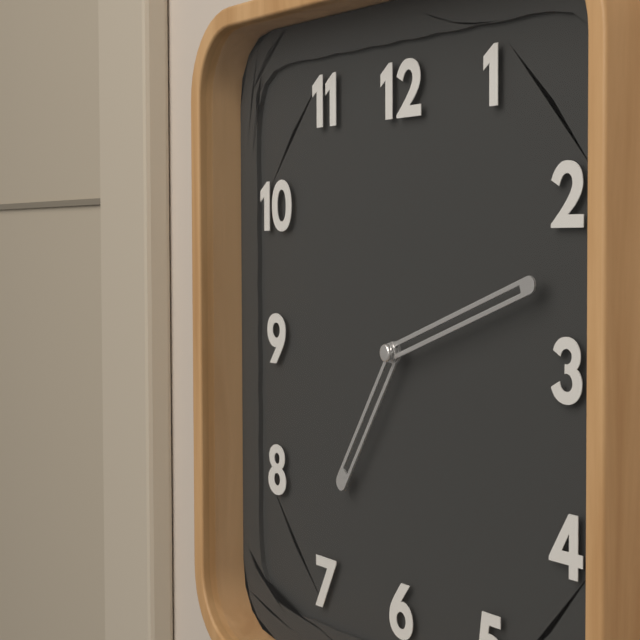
7:12
